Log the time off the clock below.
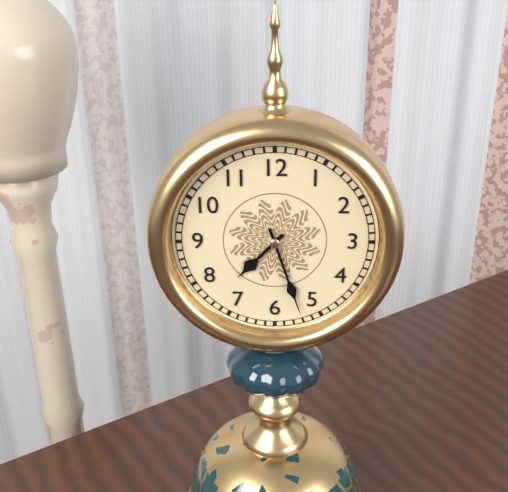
7:27
